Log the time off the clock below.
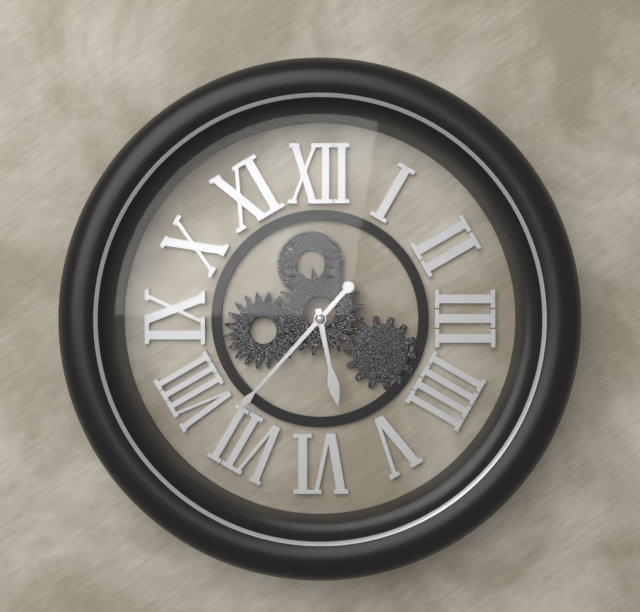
5:37
